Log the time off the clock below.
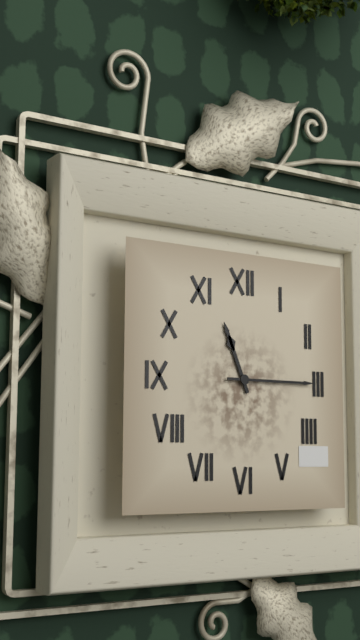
11:15
